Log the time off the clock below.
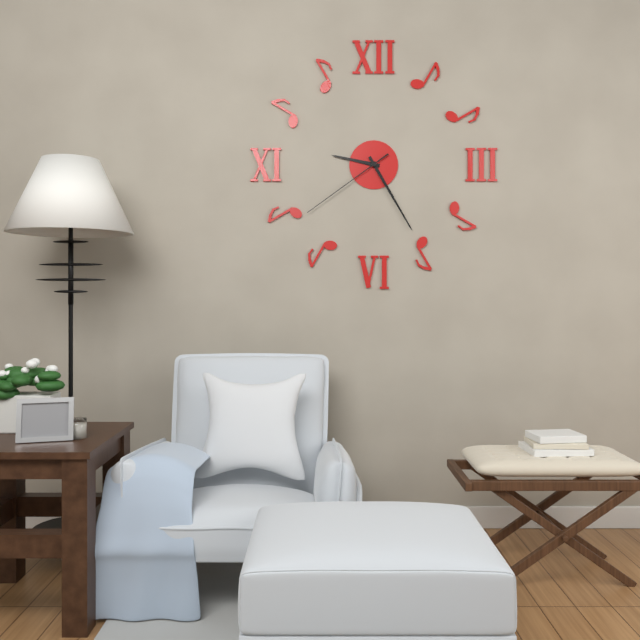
9:25:39
